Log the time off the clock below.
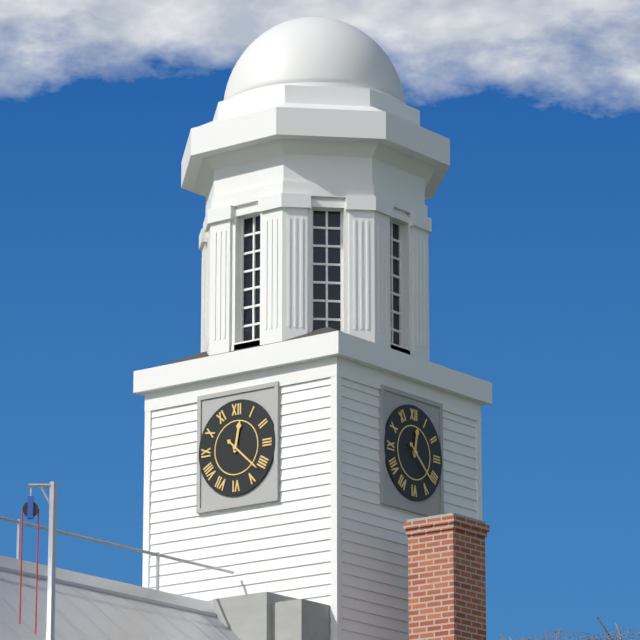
12:22
